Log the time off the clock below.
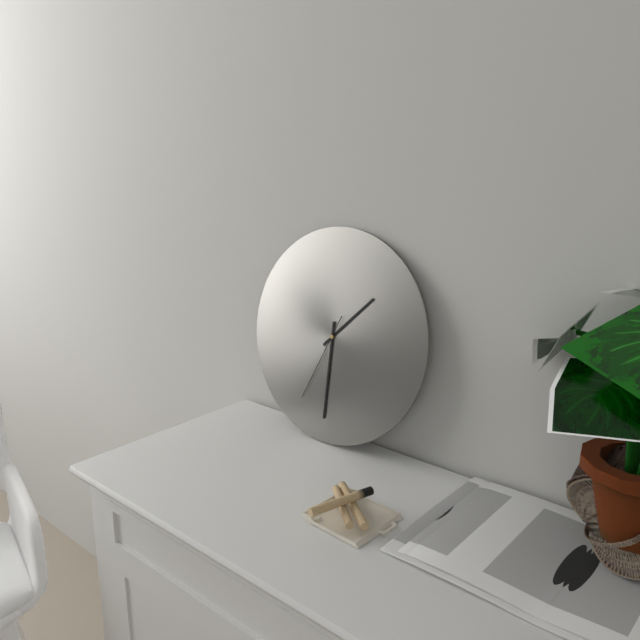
1:30:34
